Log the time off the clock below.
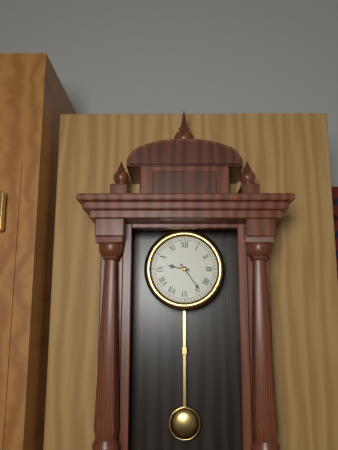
9:24
